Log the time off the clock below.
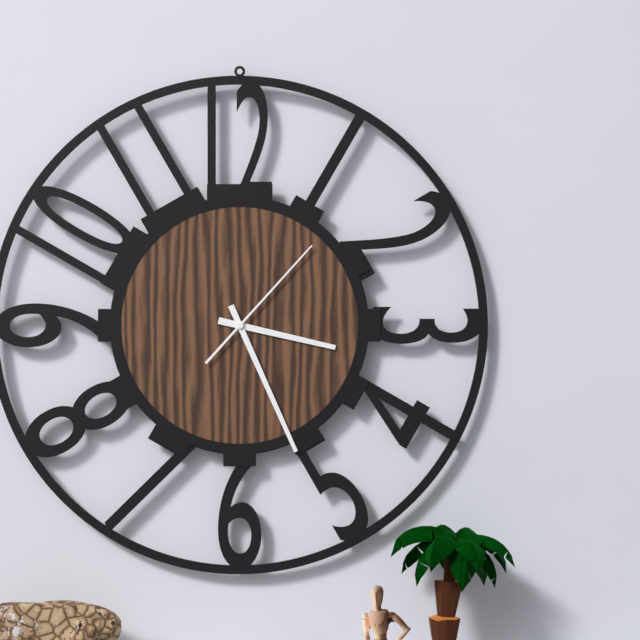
3:26:07
